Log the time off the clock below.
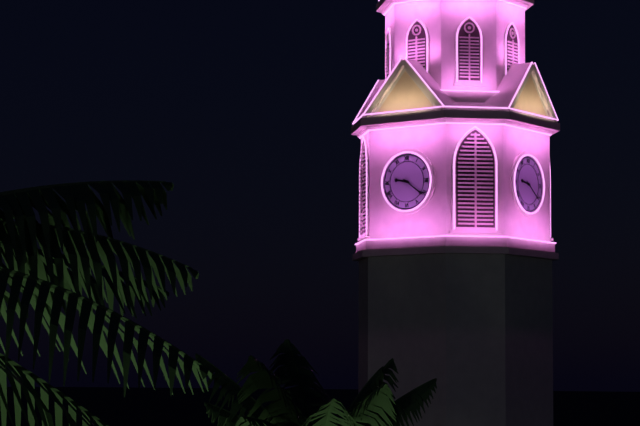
9:21
